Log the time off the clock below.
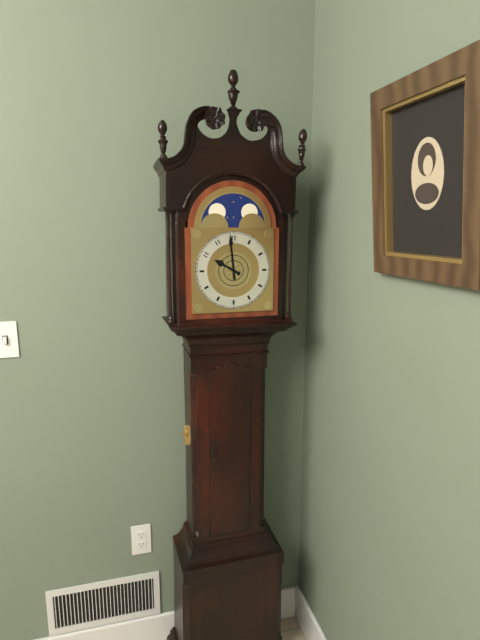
9:59
